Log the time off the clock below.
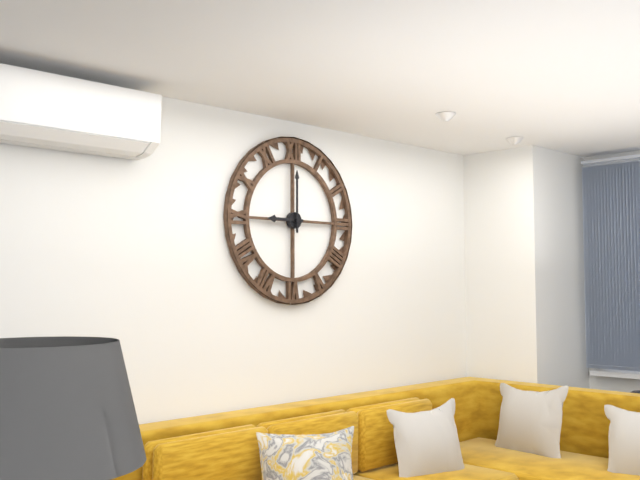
9:00
